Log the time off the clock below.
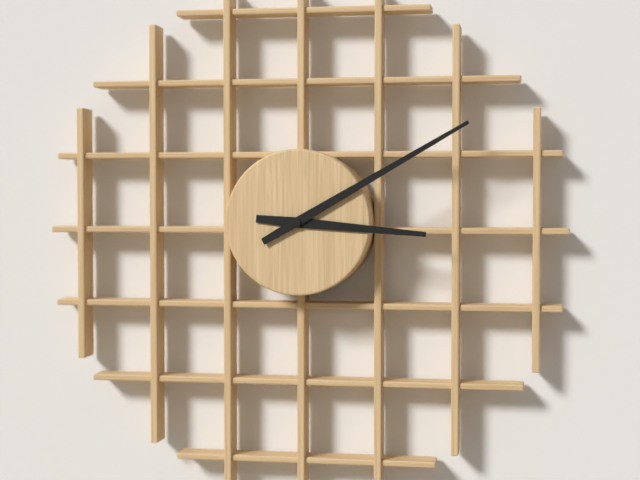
3:10
